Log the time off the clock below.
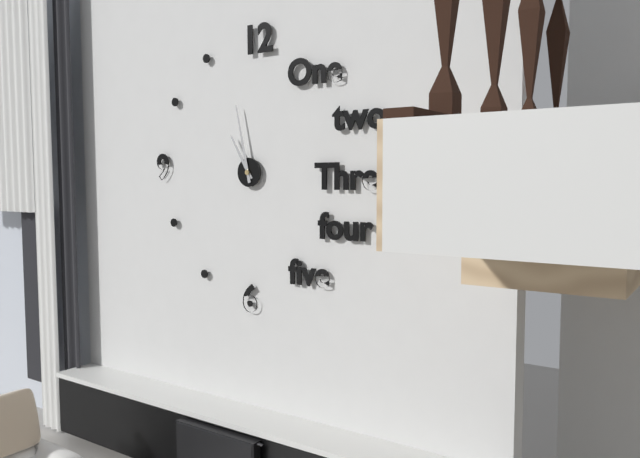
10:58
